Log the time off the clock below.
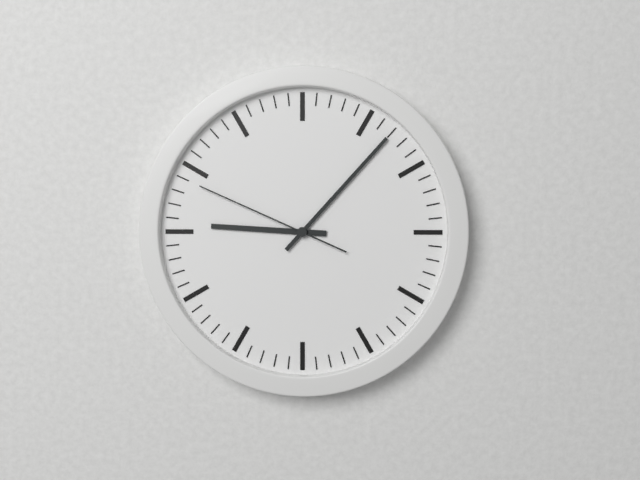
9:07:49
